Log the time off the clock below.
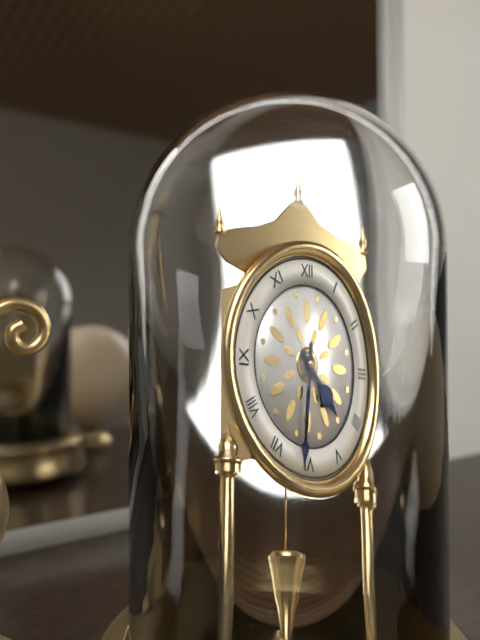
4:31
